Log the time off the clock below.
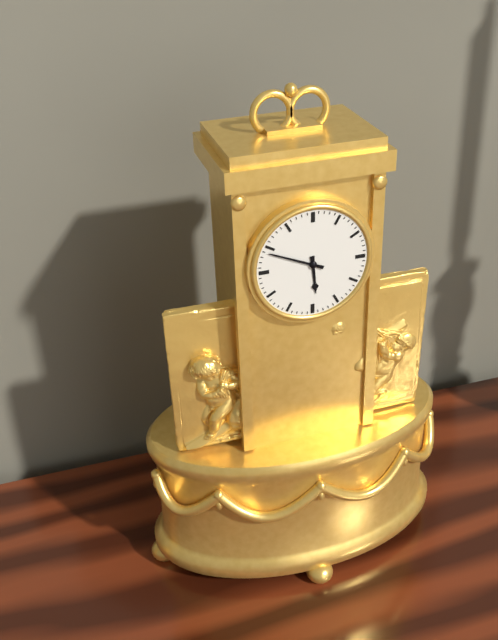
5:49
